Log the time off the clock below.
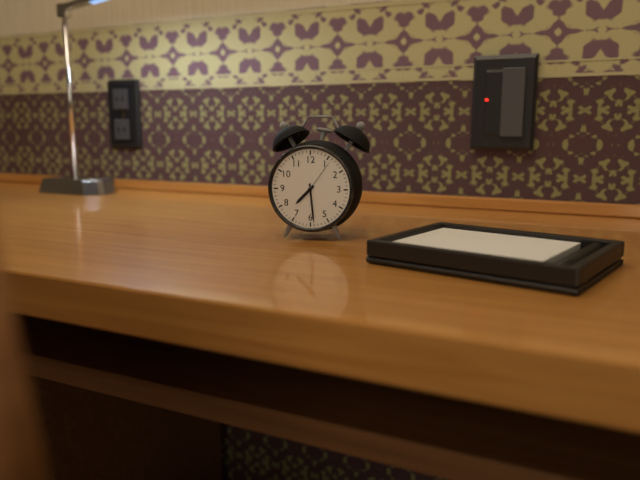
7:29
